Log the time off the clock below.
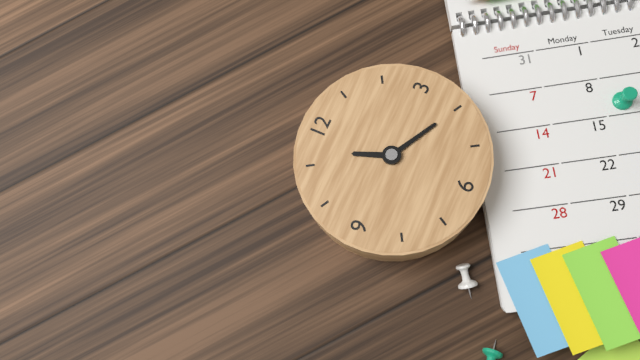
11:20
